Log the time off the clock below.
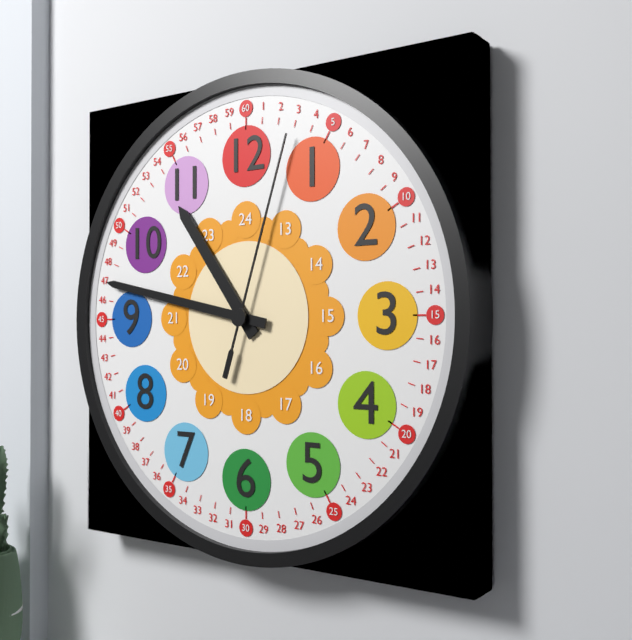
10:47:03
